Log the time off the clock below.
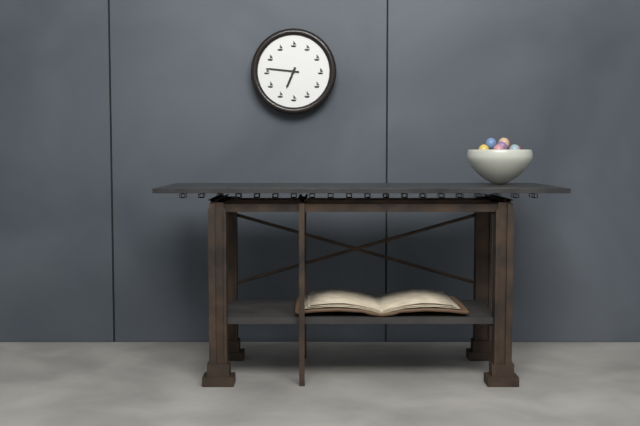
6:46
